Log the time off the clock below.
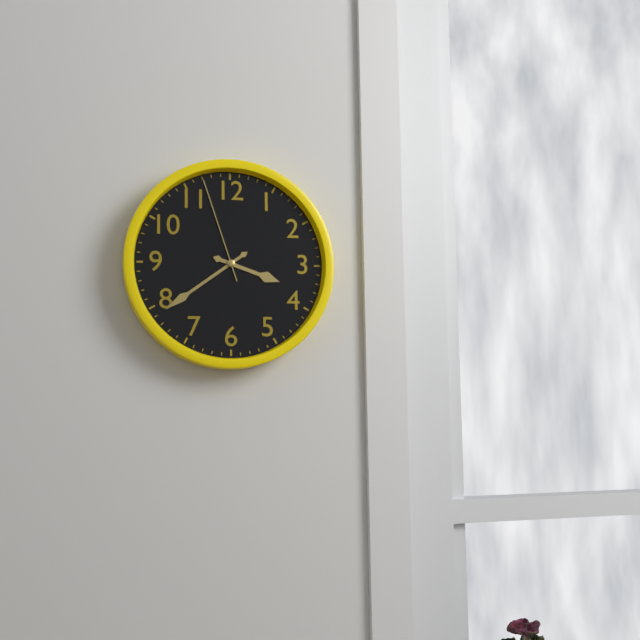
3:39:57
